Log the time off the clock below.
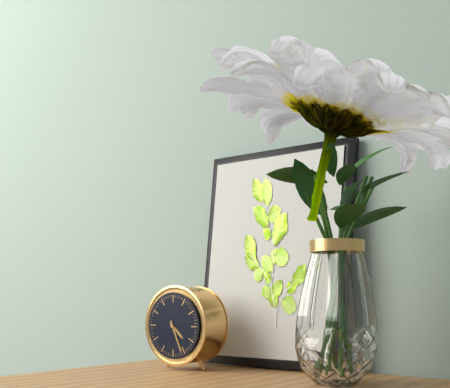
4:26
